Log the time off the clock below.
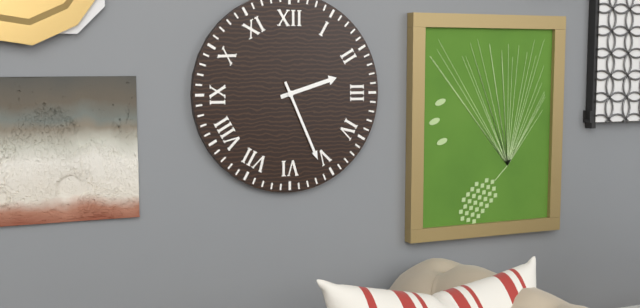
2:26
